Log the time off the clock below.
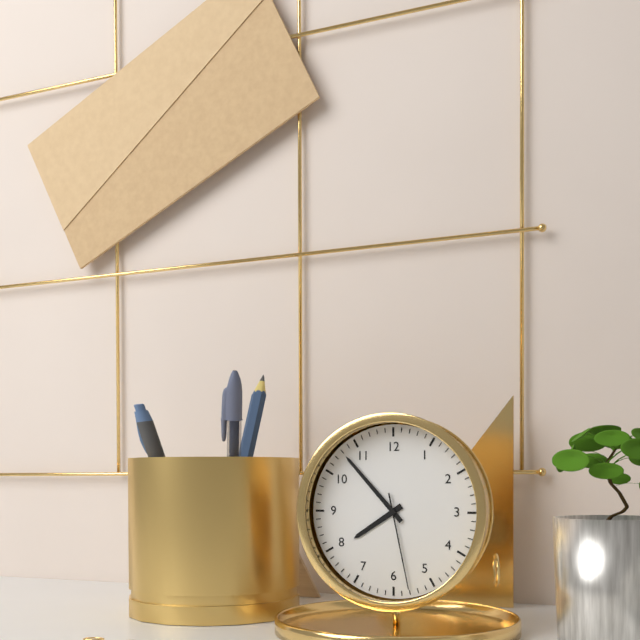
7:53:28
